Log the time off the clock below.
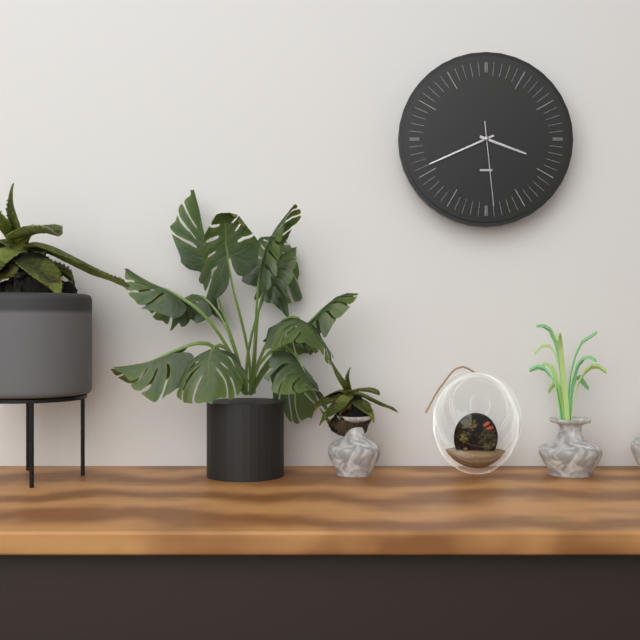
3:41:29
